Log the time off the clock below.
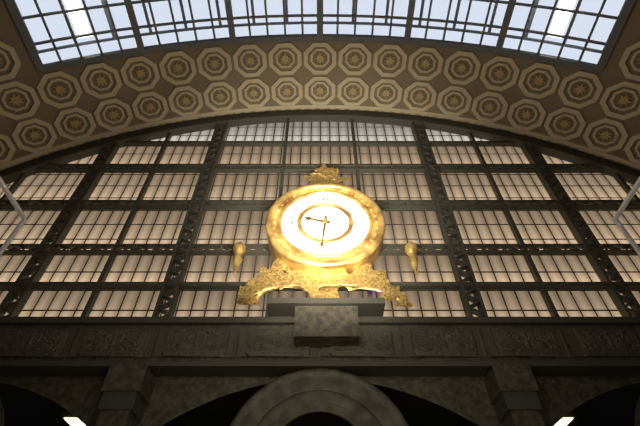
9:31
